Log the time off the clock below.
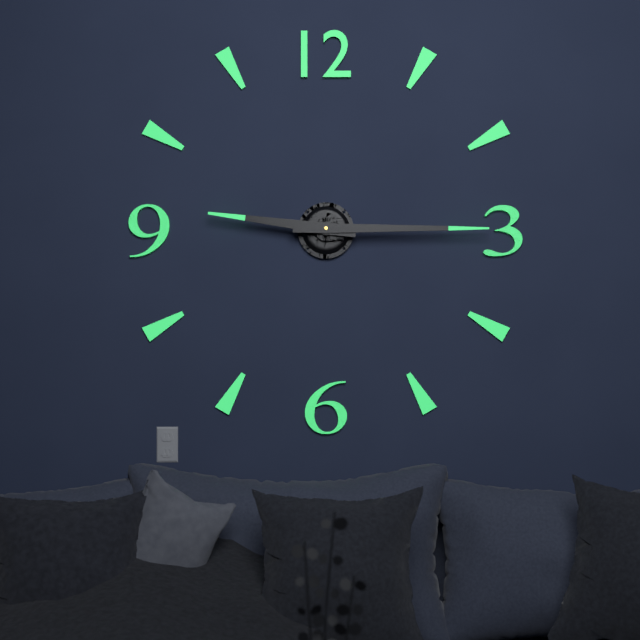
9:15
